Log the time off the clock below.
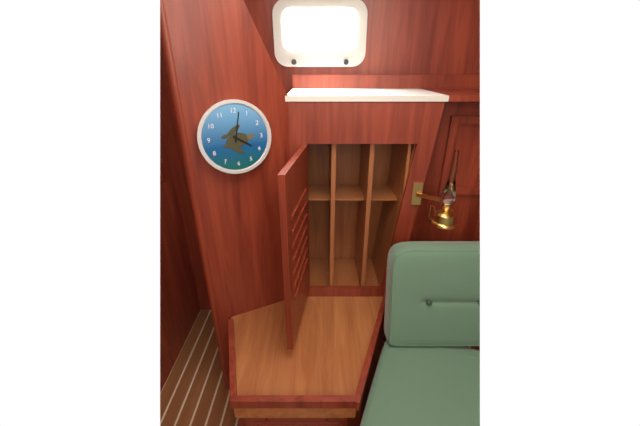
4:02
